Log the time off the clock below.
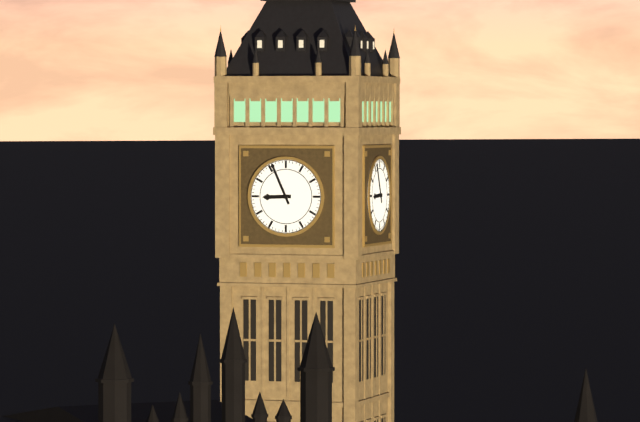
8:56
